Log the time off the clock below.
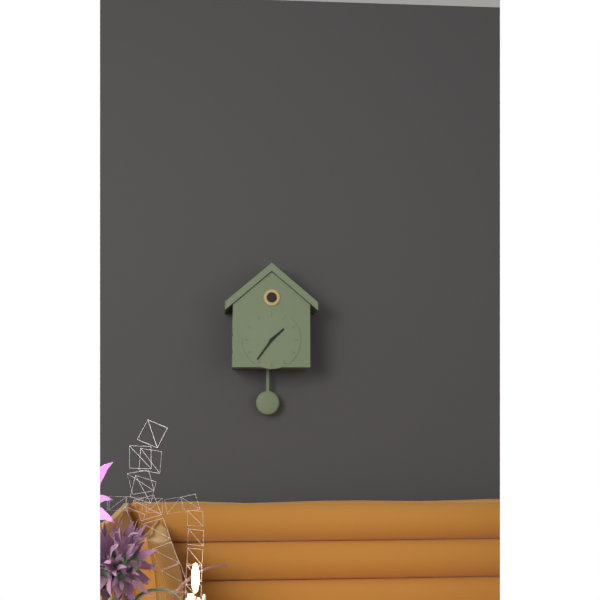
1:36
